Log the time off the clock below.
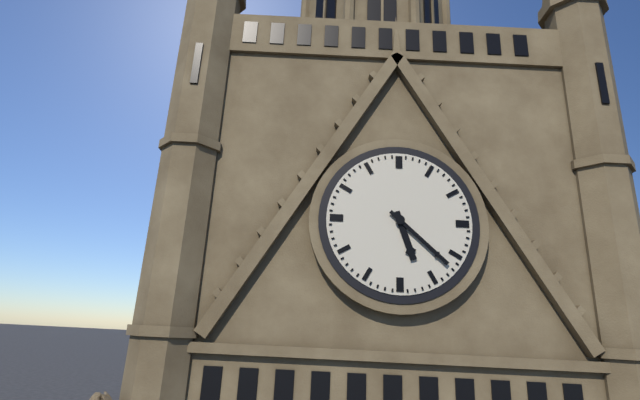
5:22
